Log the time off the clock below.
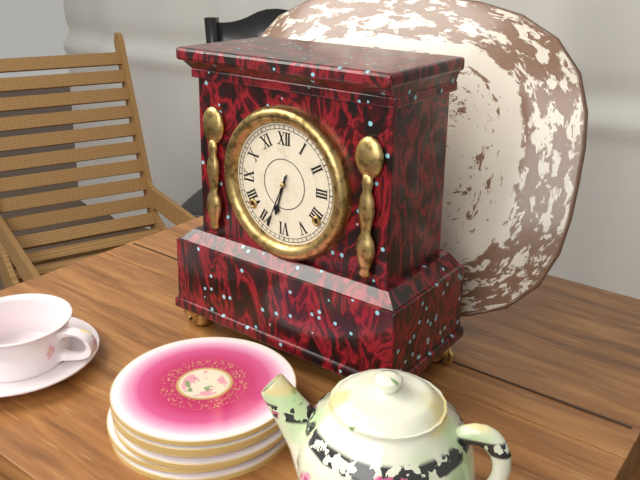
6:34
